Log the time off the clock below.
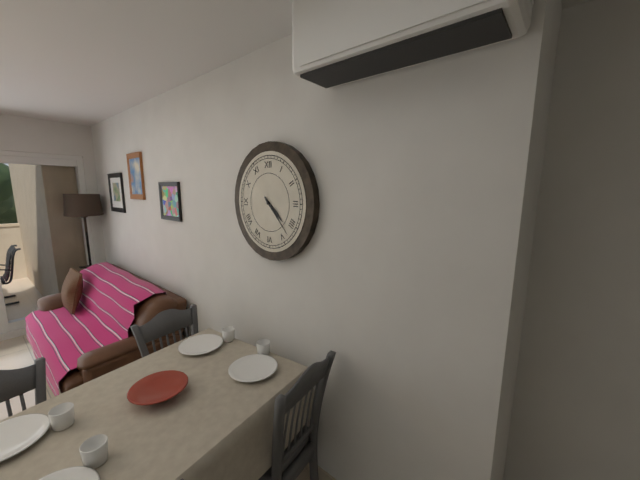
4:23
